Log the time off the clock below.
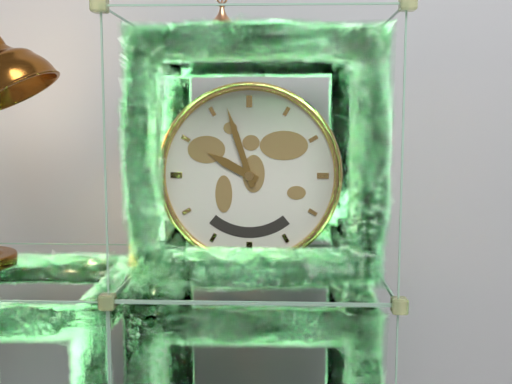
9:57
